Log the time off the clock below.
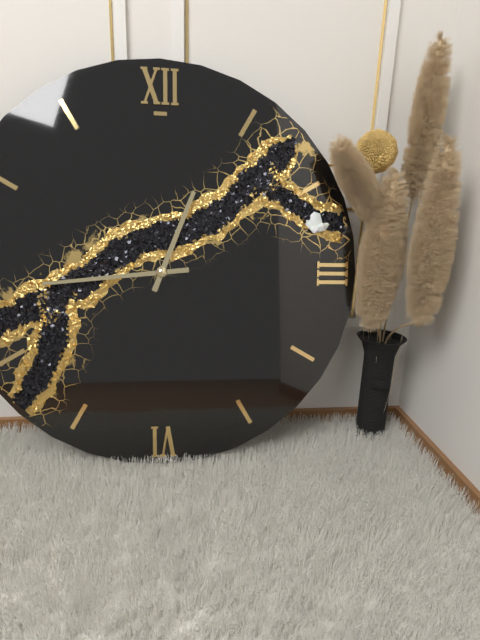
12:44
